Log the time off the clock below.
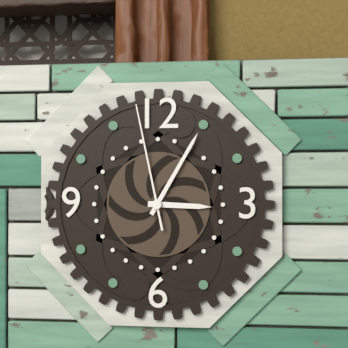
3:05:58
